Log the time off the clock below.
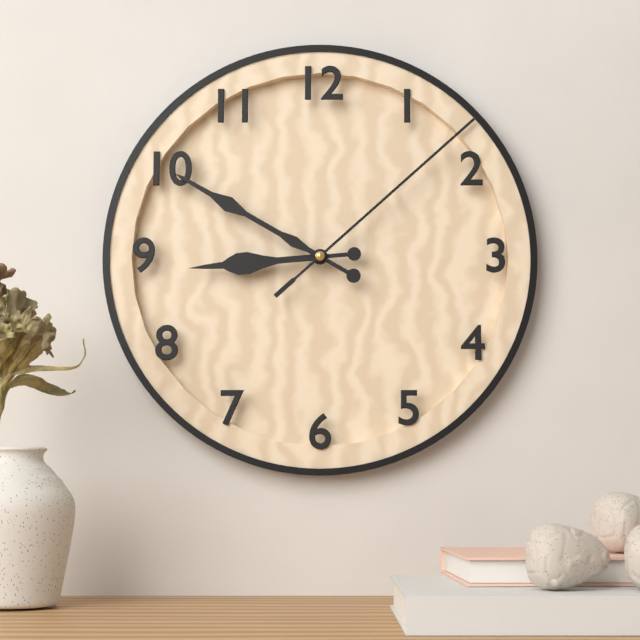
8:50:08
